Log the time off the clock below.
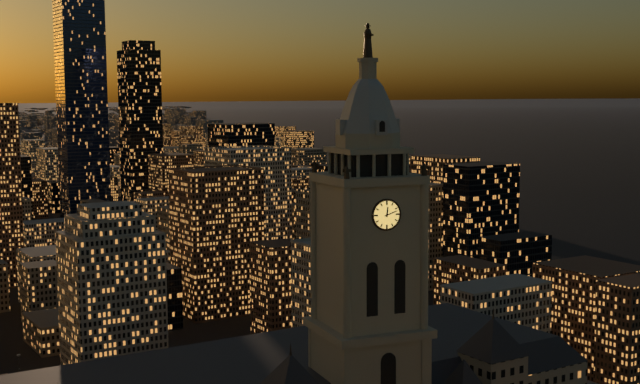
12:12
